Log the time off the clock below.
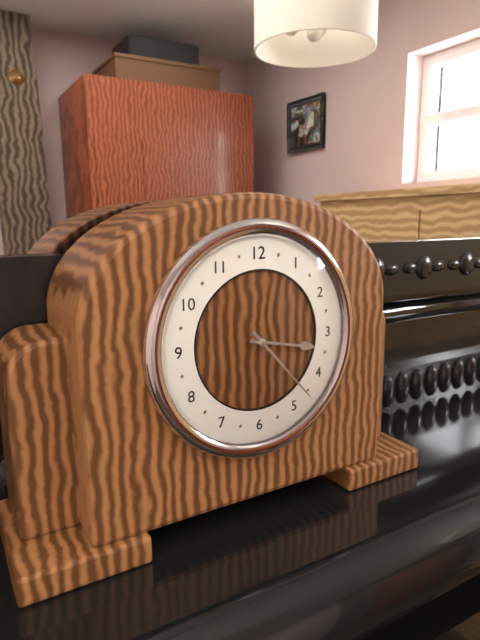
3:23
